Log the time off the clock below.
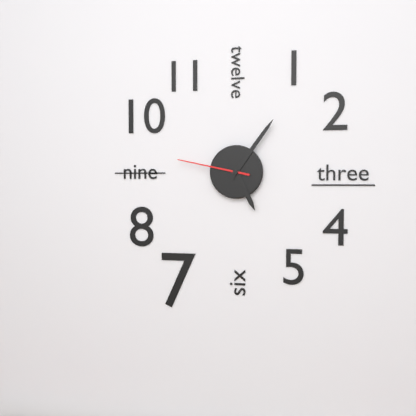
5:06:47
